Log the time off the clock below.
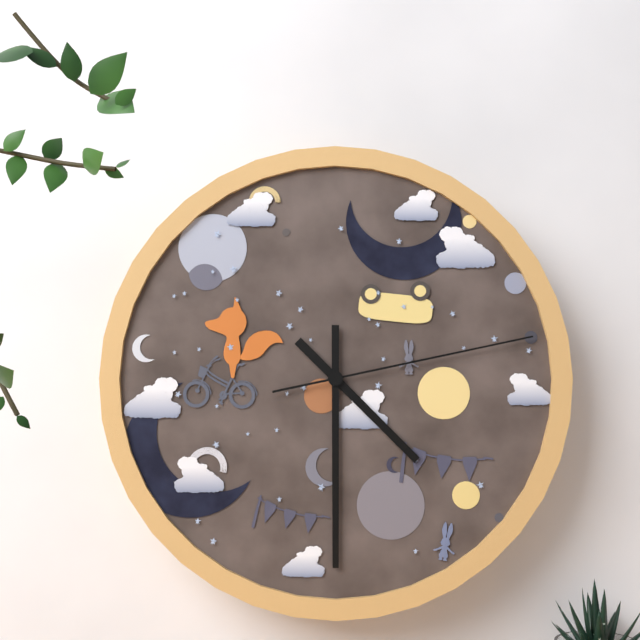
4:30:13
